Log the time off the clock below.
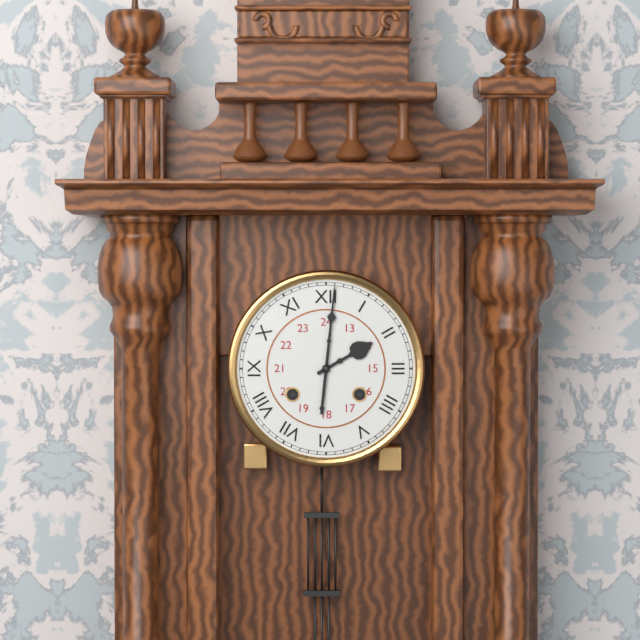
2:01
